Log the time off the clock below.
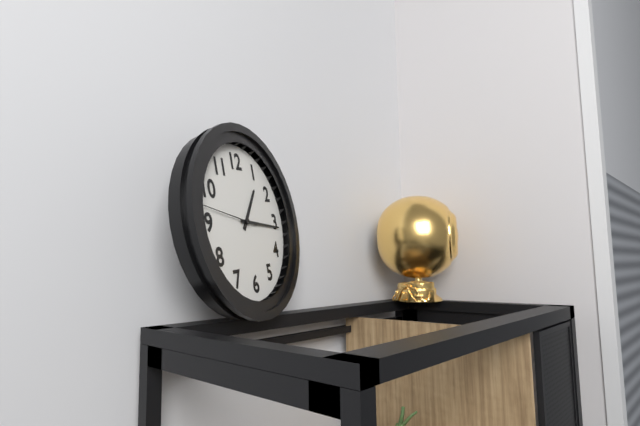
1:16:47
